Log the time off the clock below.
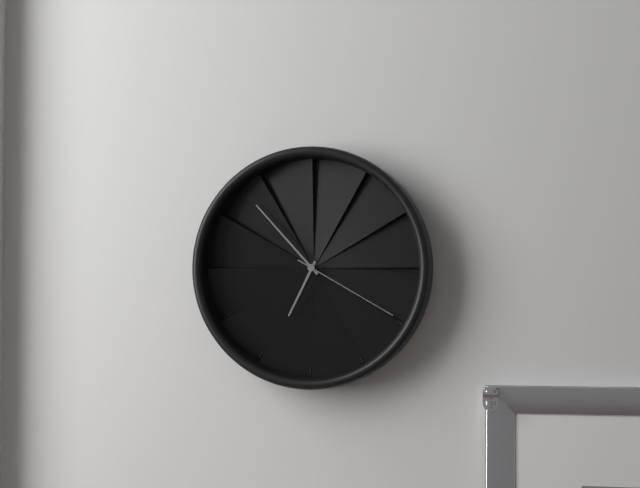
6:53:20
